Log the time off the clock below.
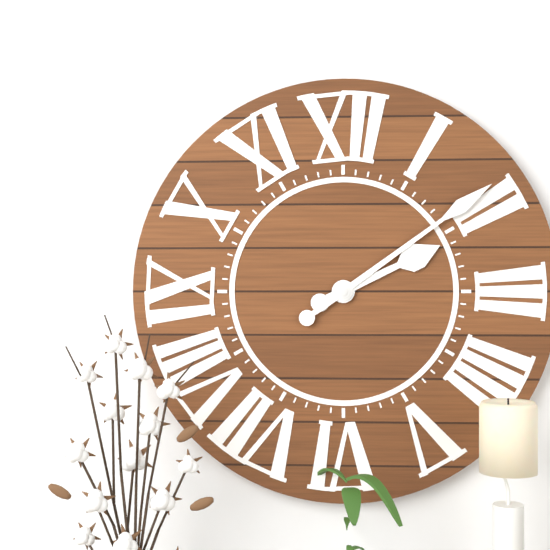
2:09
